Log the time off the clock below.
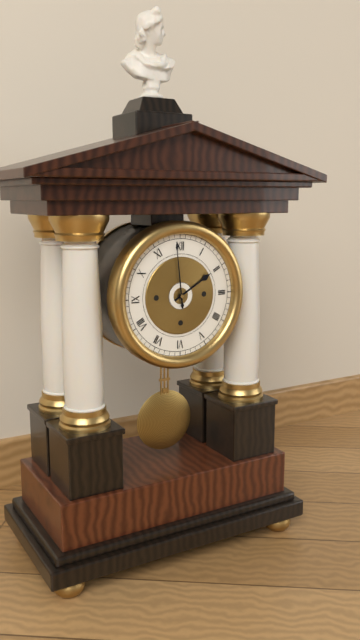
1:59
